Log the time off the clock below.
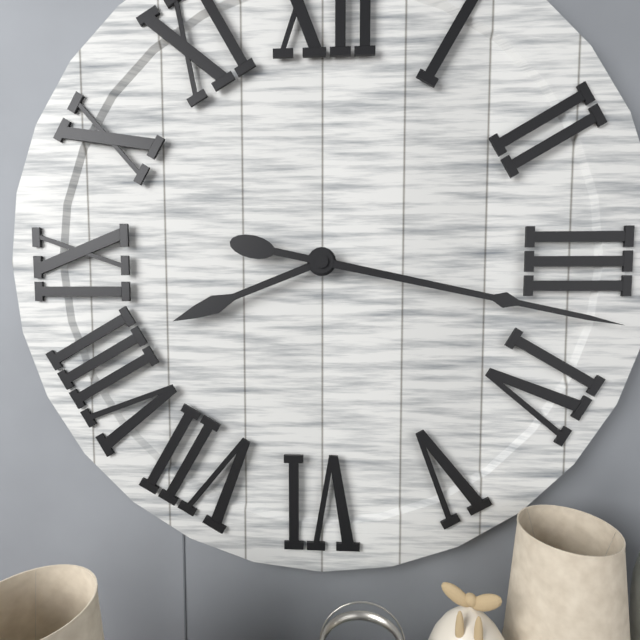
8:17
